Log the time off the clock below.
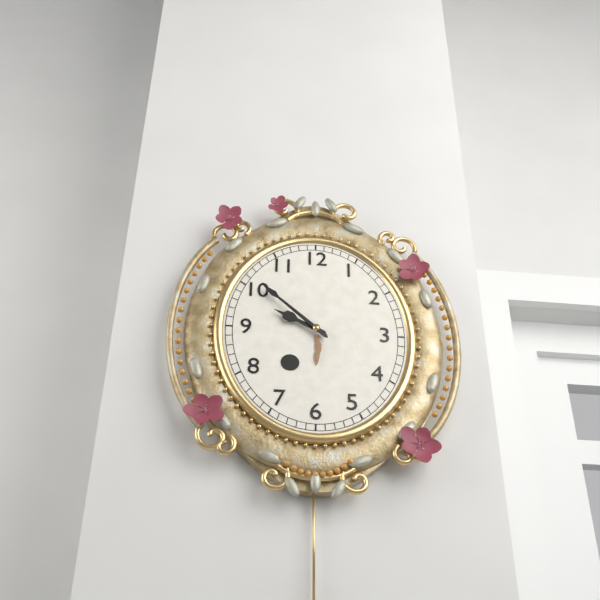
9:52
